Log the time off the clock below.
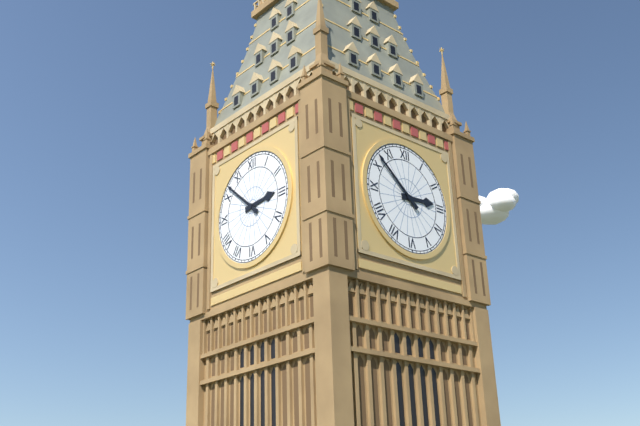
2:52
